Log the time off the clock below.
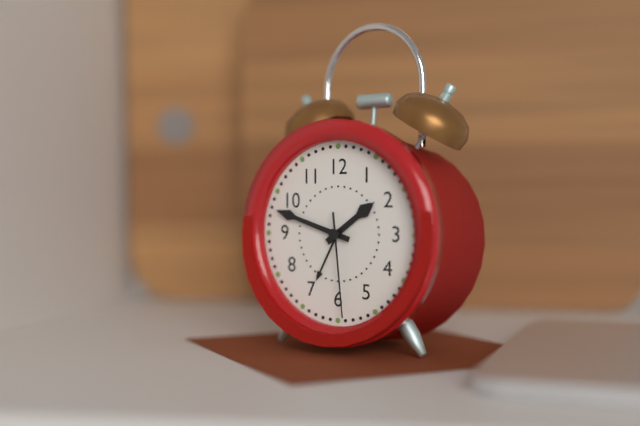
1:48:29
